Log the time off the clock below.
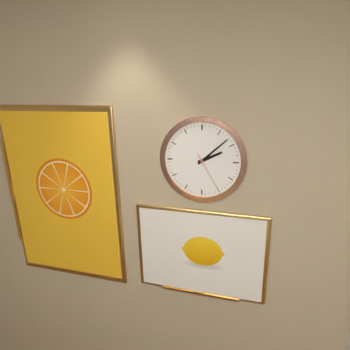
2:08
